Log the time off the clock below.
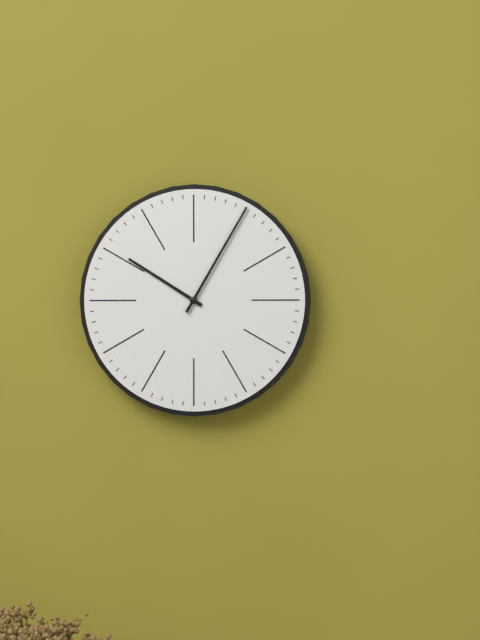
10:05
